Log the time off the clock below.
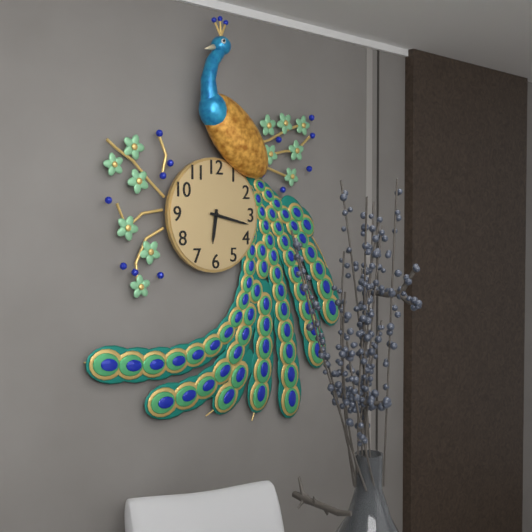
6:17
